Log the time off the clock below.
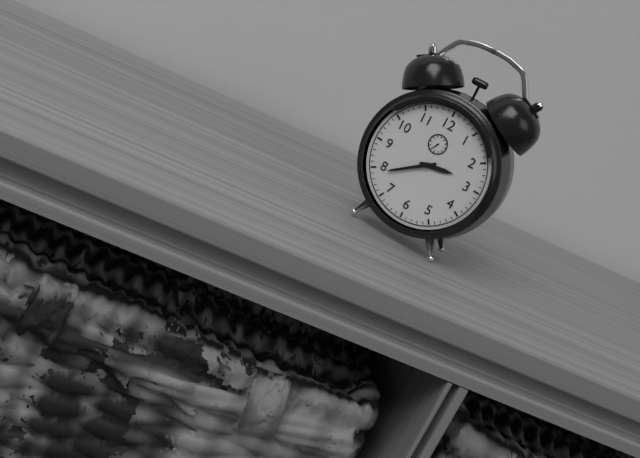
2:39
